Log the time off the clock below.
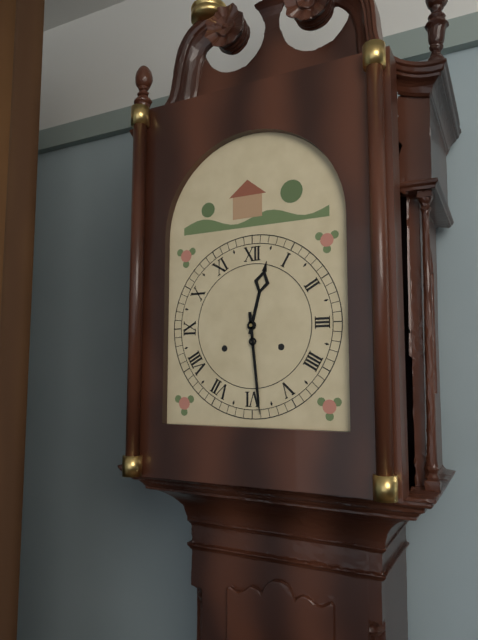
12:29
